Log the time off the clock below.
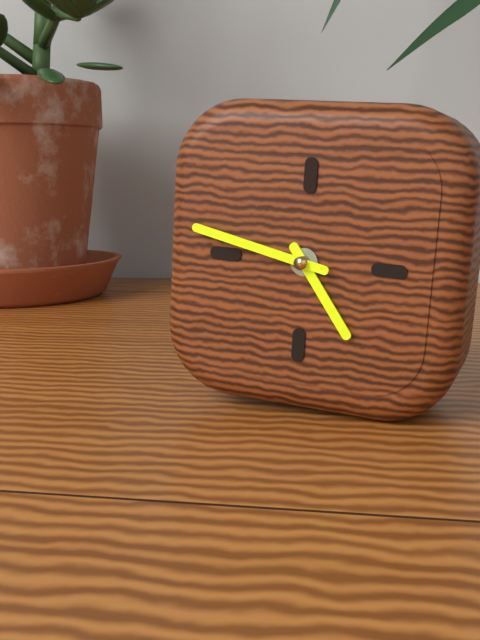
4:47
